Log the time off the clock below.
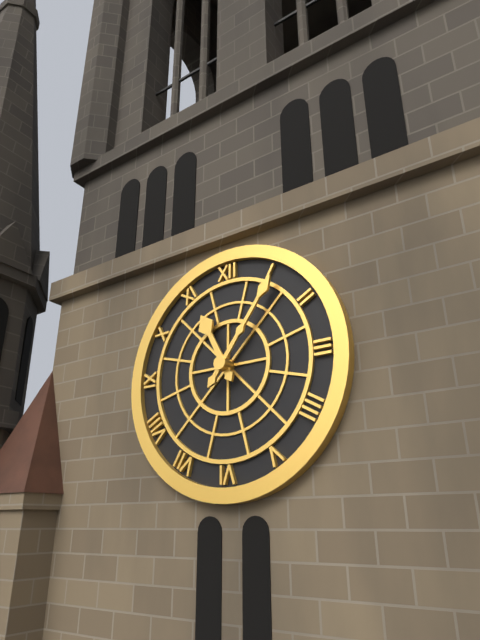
11:06
